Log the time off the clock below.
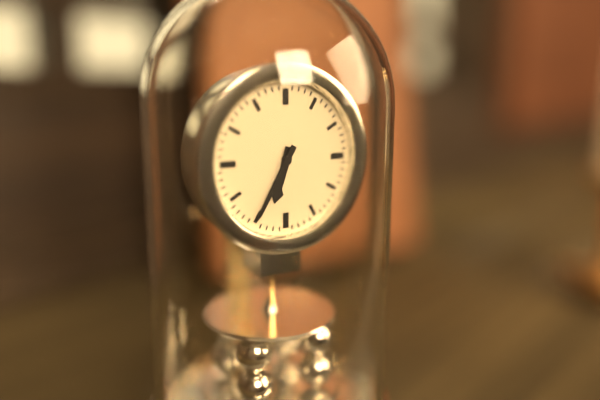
6:35
